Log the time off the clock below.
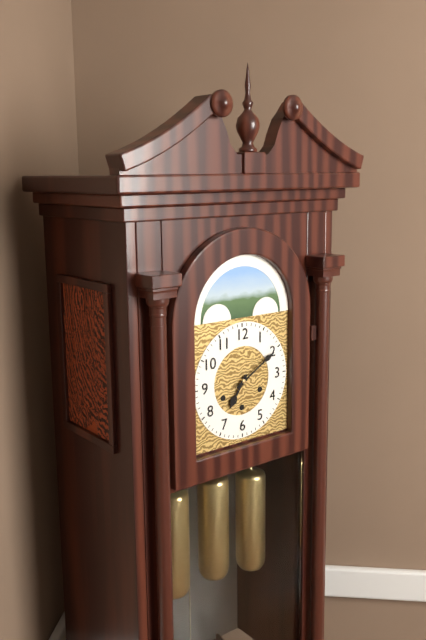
7:10
